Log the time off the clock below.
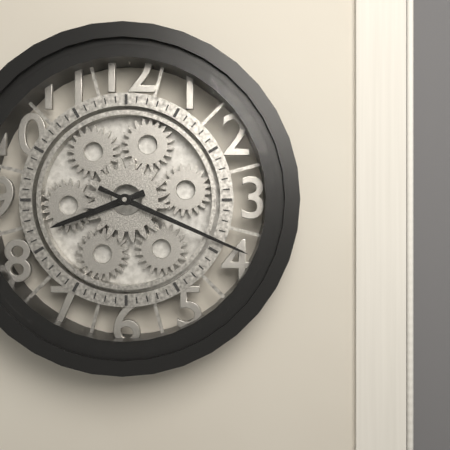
8:19
